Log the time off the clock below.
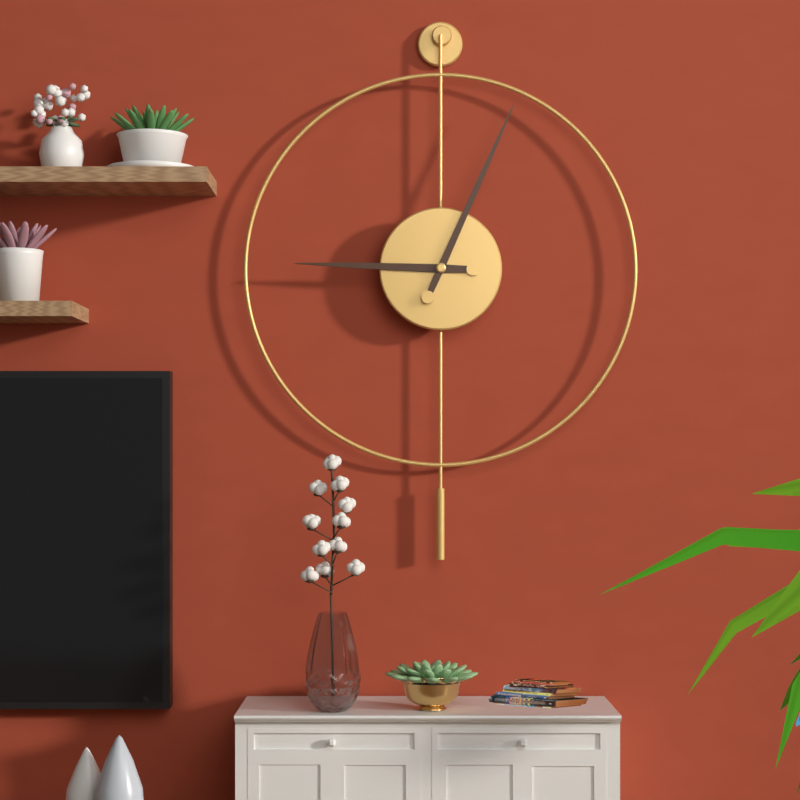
9:04
